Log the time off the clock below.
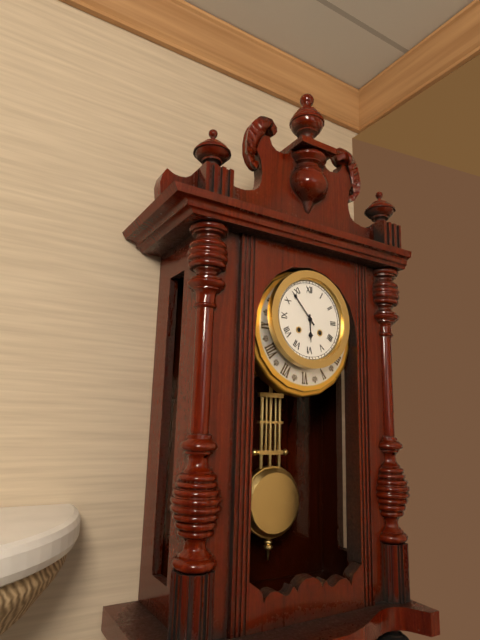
5:53
